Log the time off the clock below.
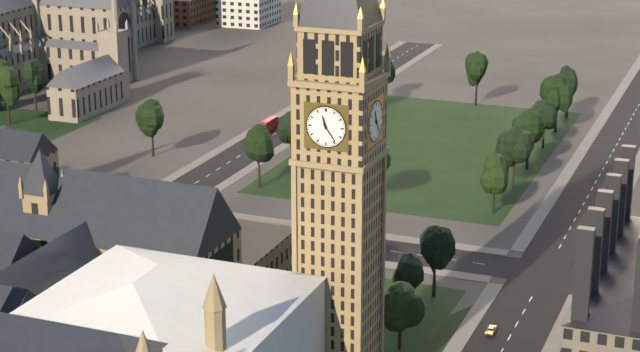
11:24
